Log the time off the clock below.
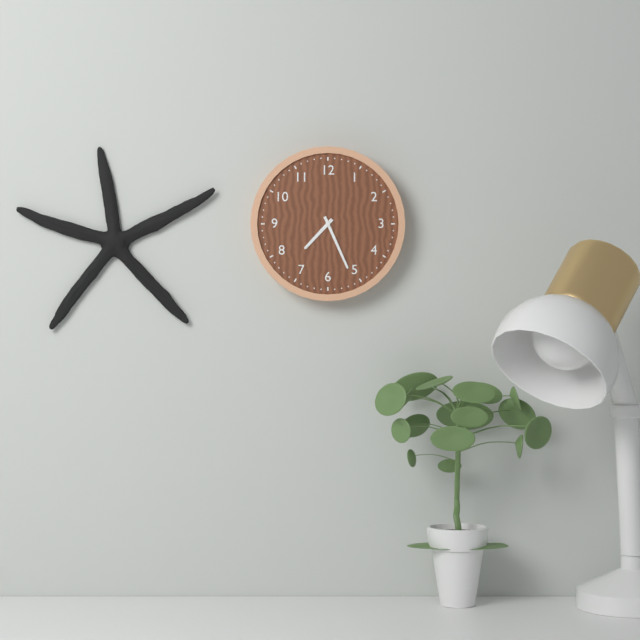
7:26
